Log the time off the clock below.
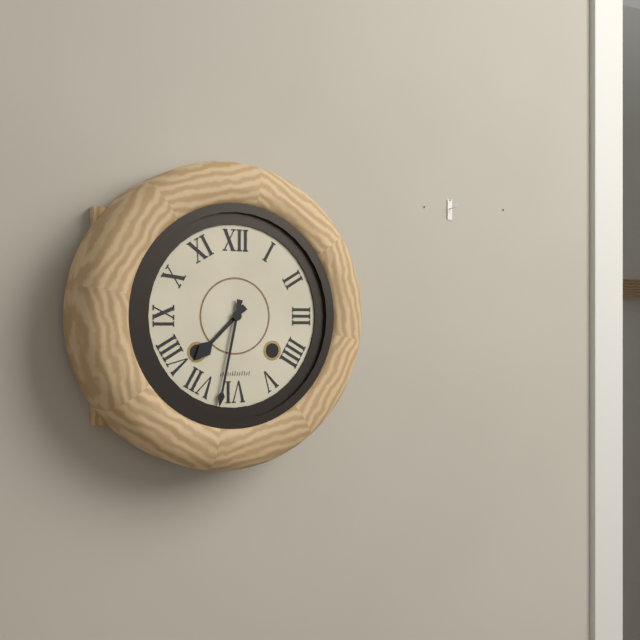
7:32
